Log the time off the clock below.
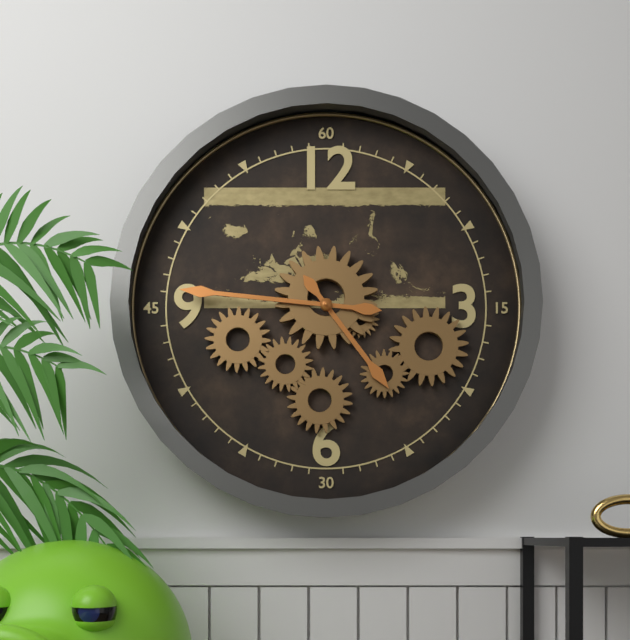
4:46
